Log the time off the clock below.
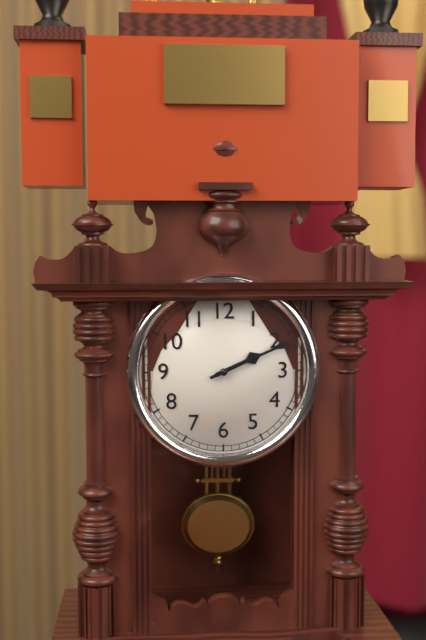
2:11
